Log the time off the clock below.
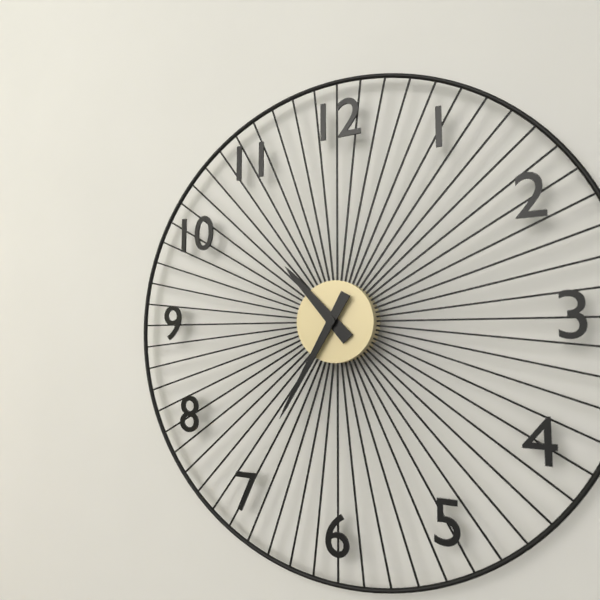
10:35
